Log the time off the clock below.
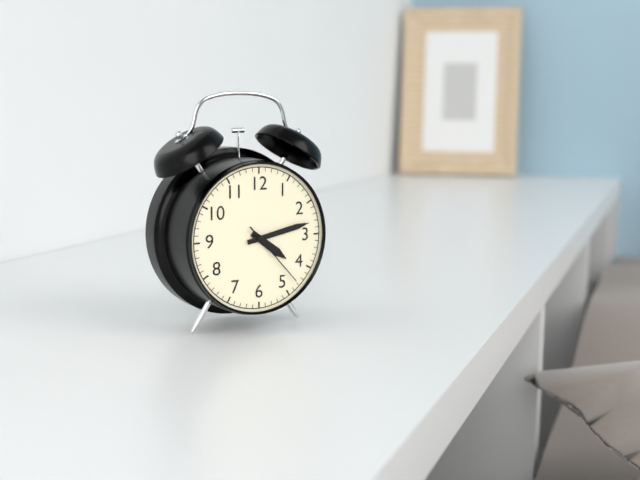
4:13:23
